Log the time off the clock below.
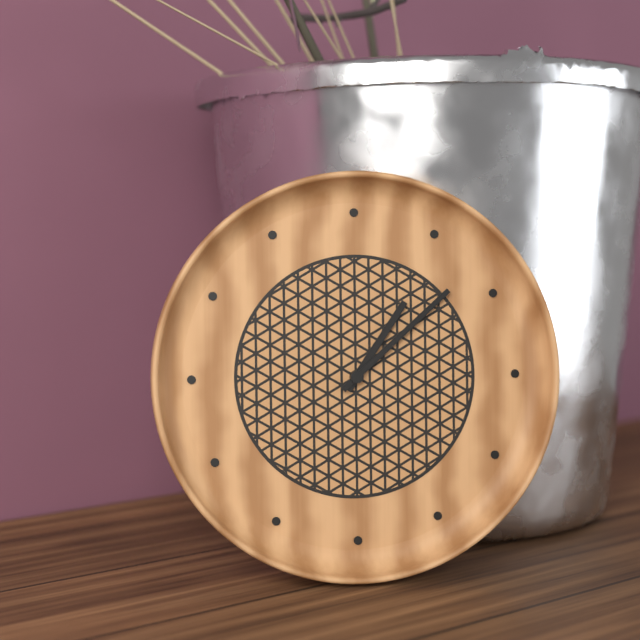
1:08
